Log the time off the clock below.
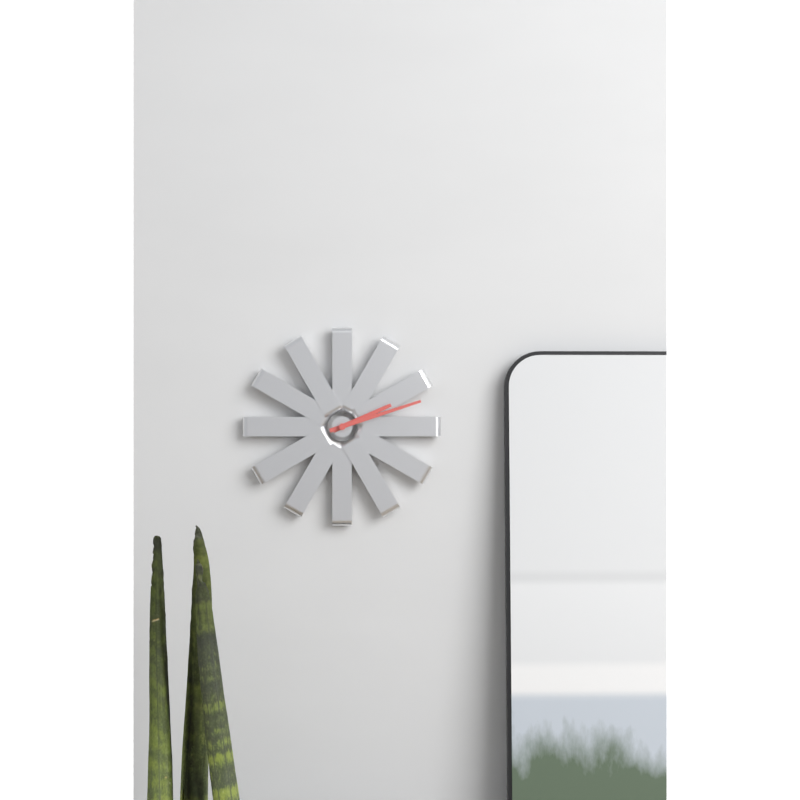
2:12
